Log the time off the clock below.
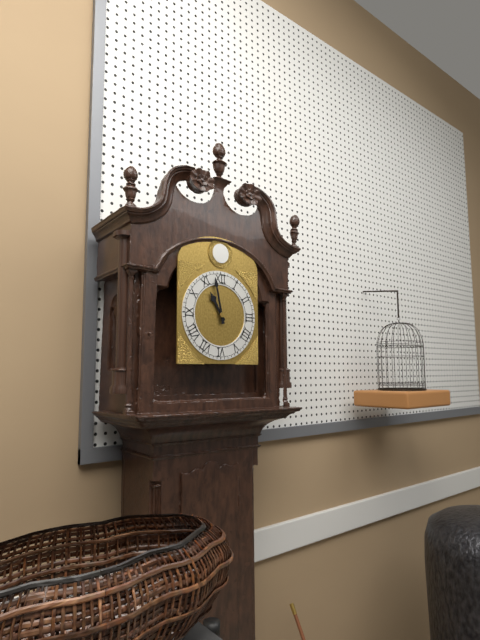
10:58
